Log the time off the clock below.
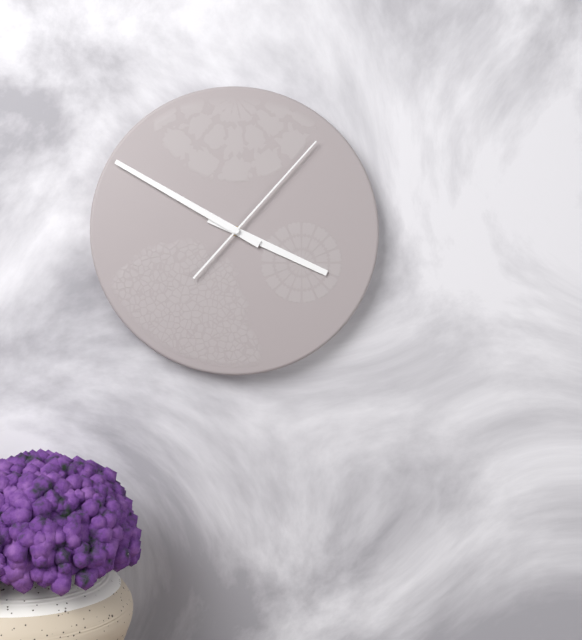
3:50:07
